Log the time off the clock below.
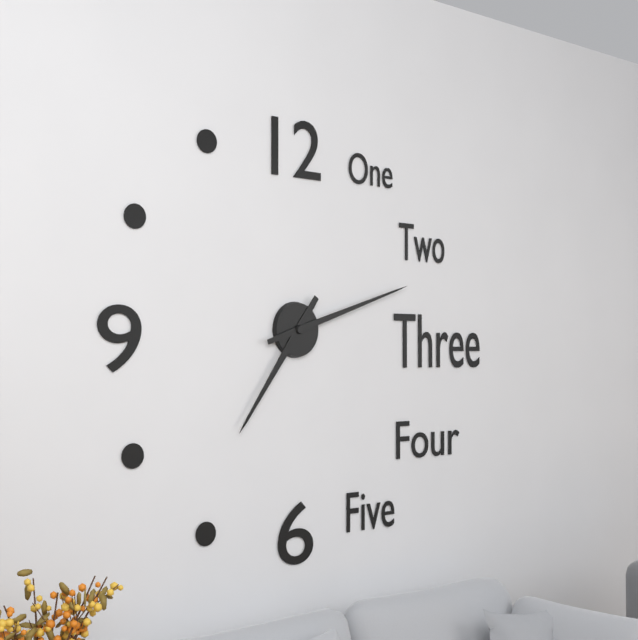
7:12
